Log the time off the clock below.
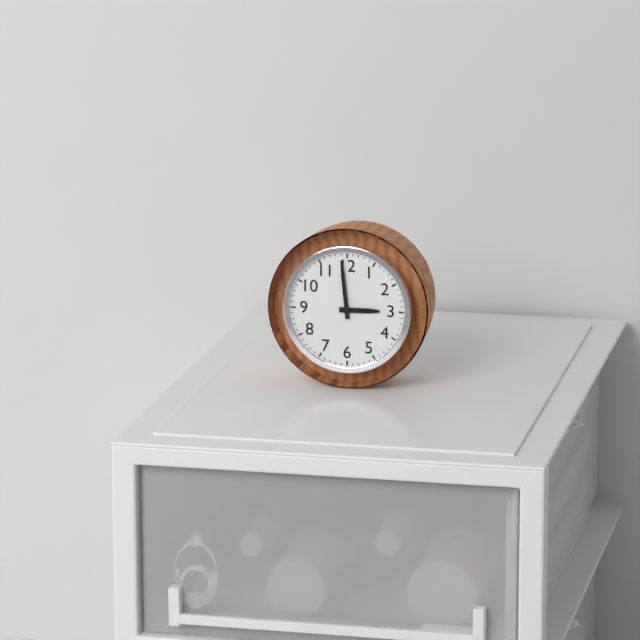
2:59
